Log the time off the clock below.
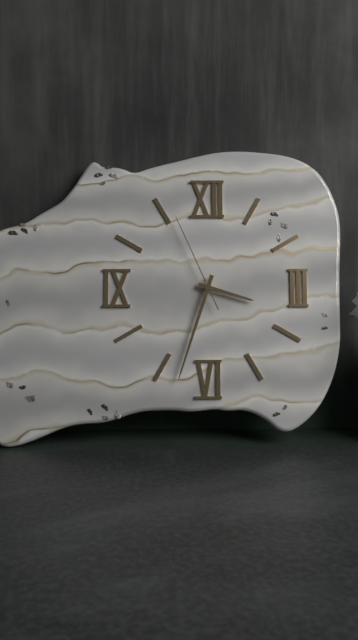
3:33:56
